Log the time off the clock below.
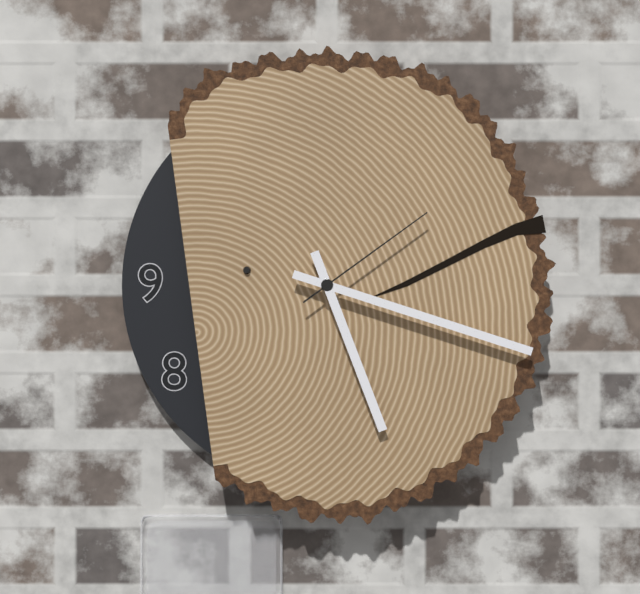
5:18:09
